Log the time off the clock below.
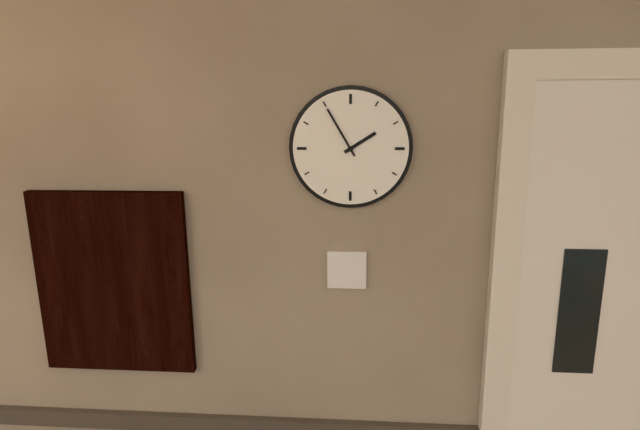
1:55
